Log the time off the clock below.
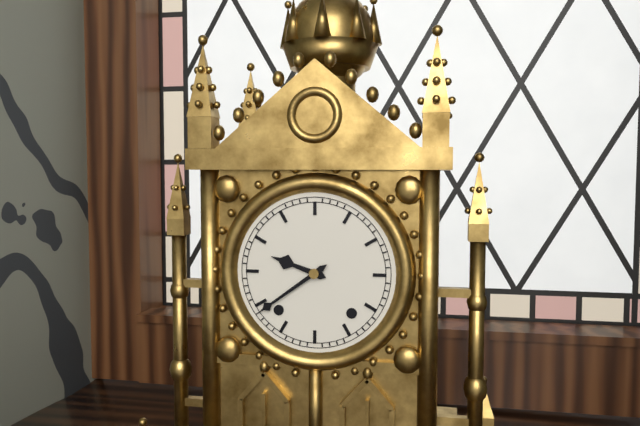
9:39
